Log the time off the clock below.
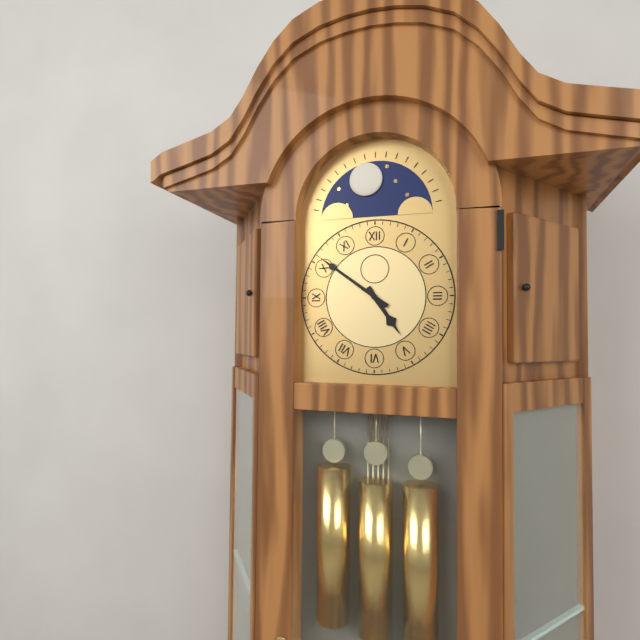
4:51
